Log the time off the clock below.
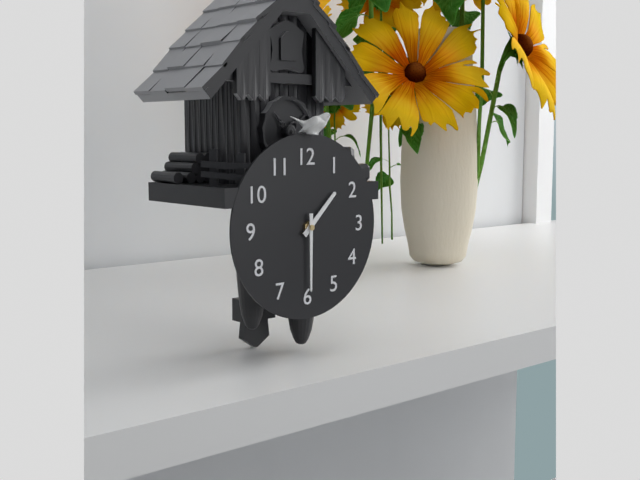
1:30
